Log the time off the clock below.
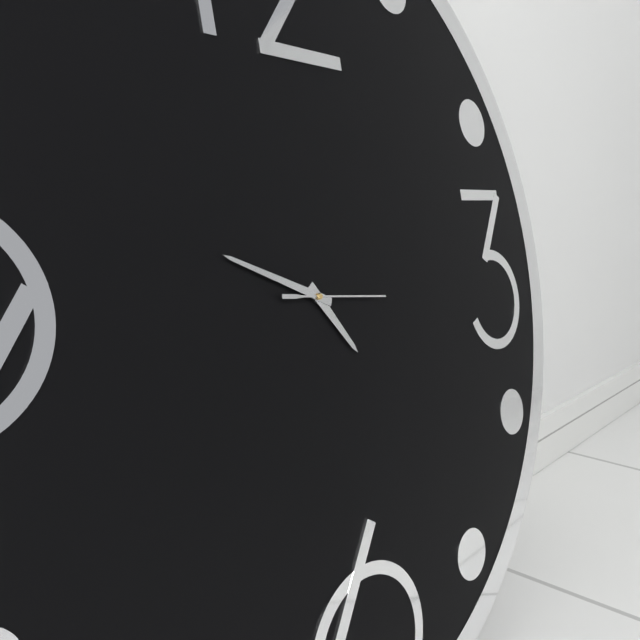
4:49:16
